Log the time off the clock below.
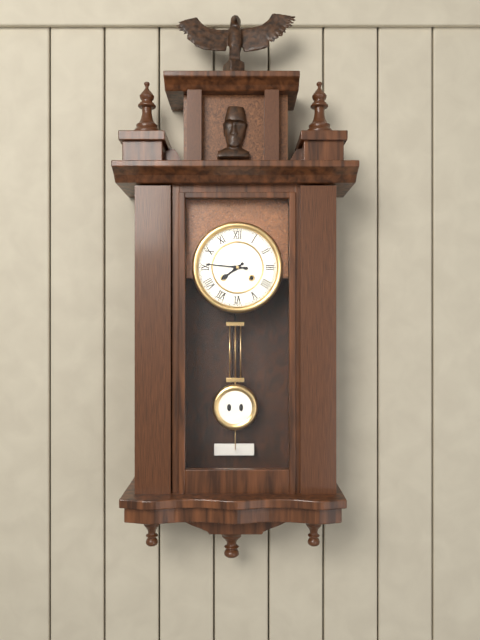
7:46
